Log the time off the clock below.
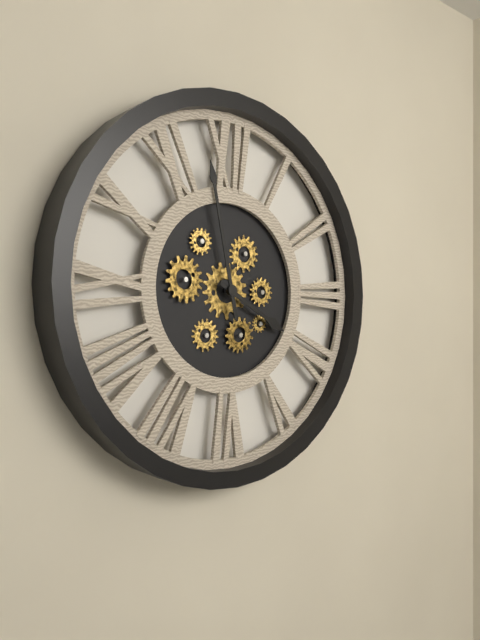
3:58
